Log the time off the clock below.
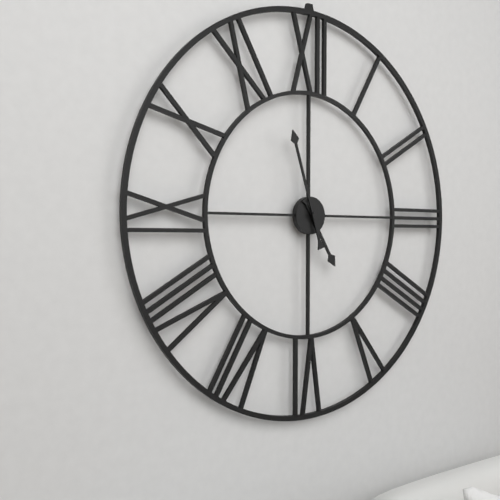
4:57
